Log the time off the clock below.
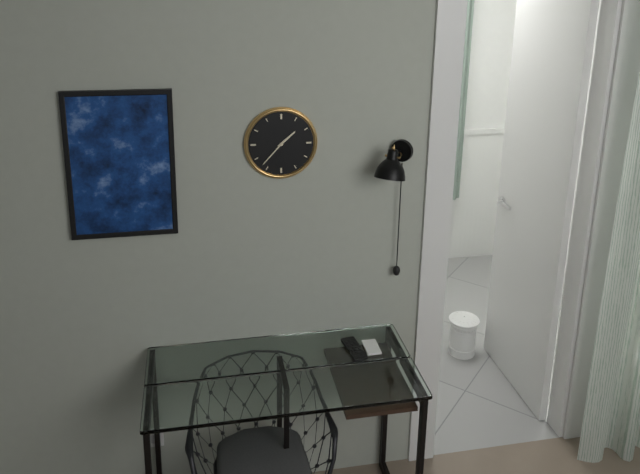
1:37
